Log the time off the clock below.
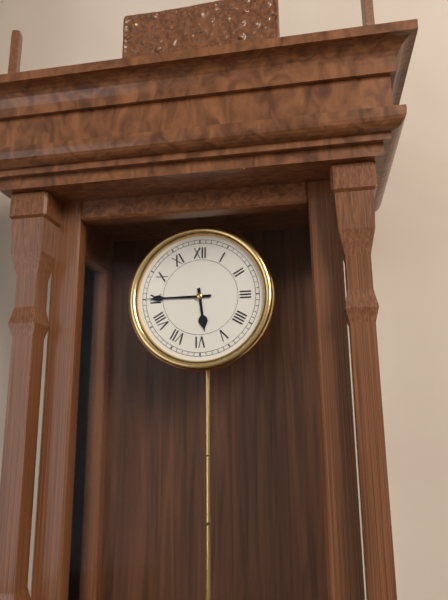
5:45
